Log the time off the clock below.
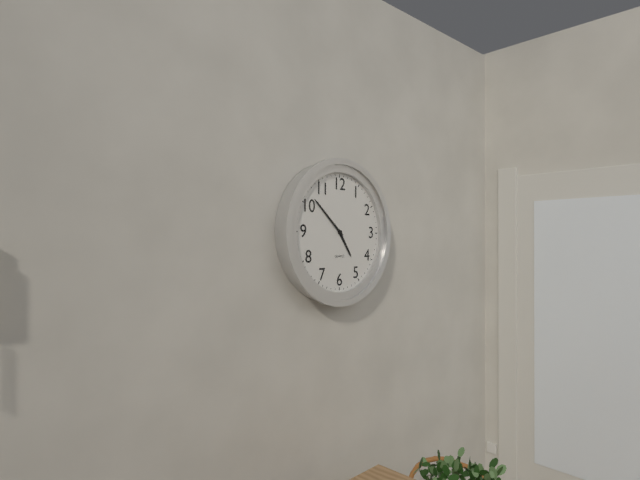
4:52
